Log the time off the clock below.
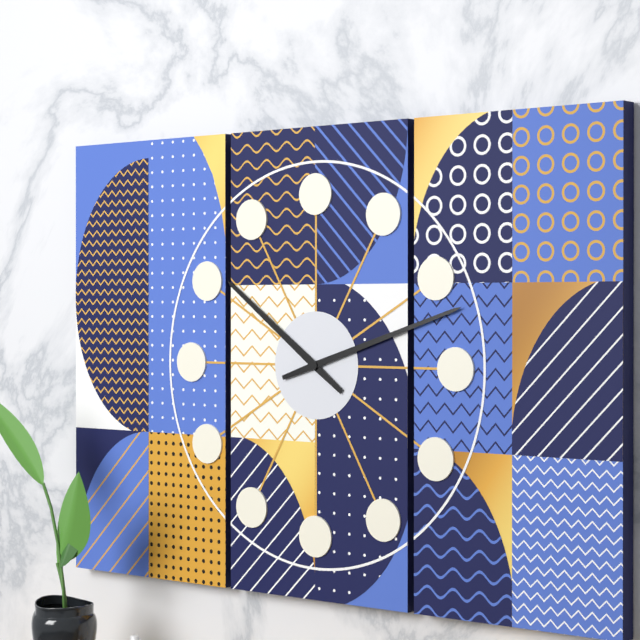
10:12
